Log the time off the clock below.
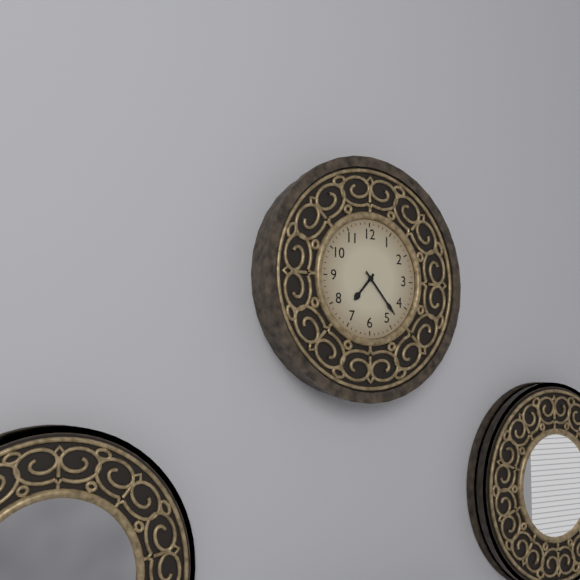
7:23
